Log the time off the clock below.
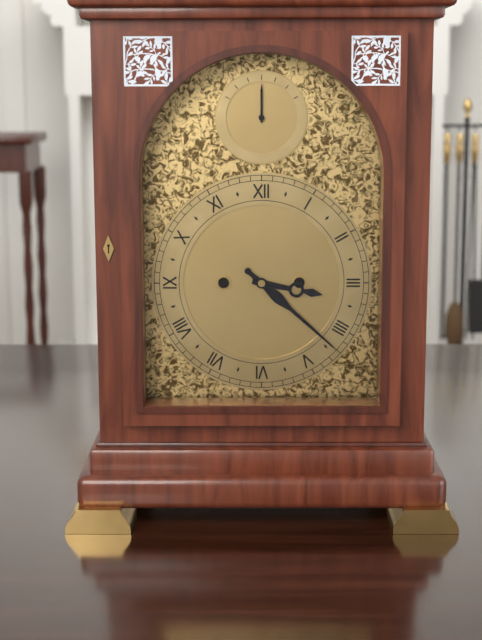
3:22
